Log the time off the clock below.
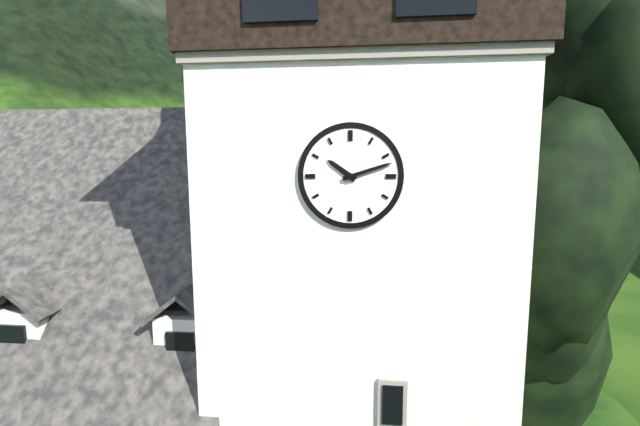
10:12
